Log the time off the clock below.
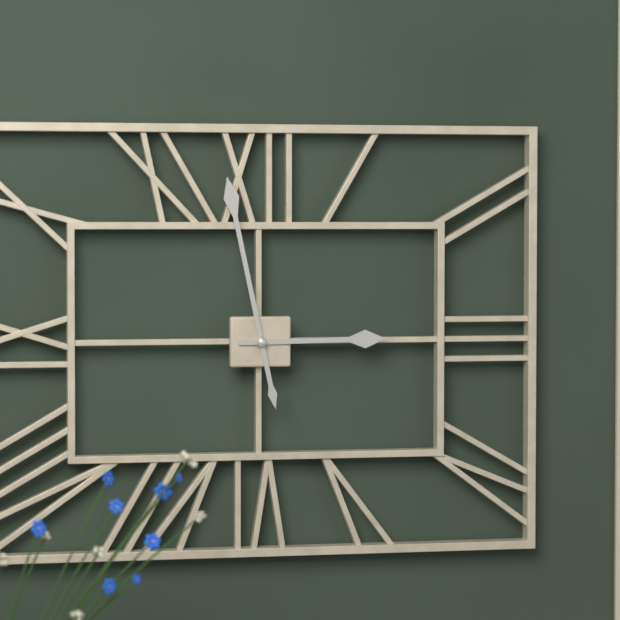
2:58
